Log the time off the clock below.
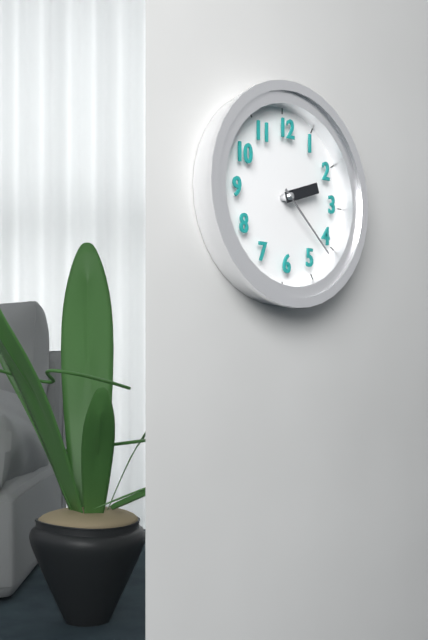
2:22
